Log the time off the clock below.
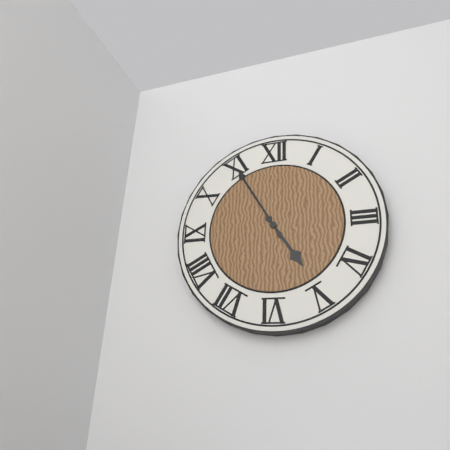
4:55
